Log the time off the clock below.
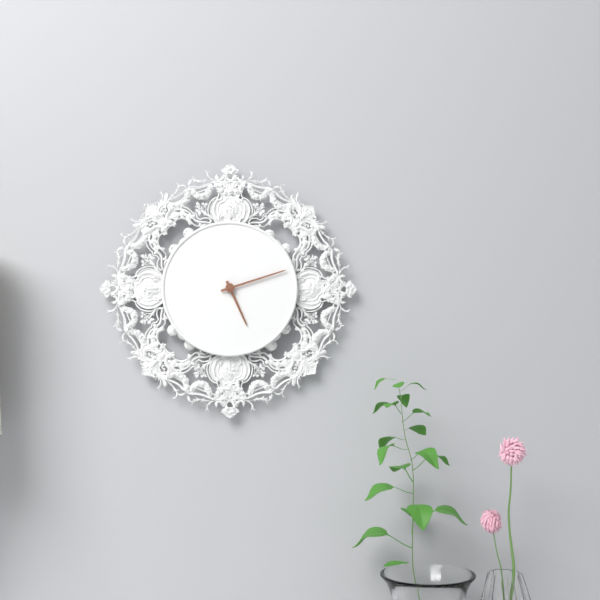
5:12
